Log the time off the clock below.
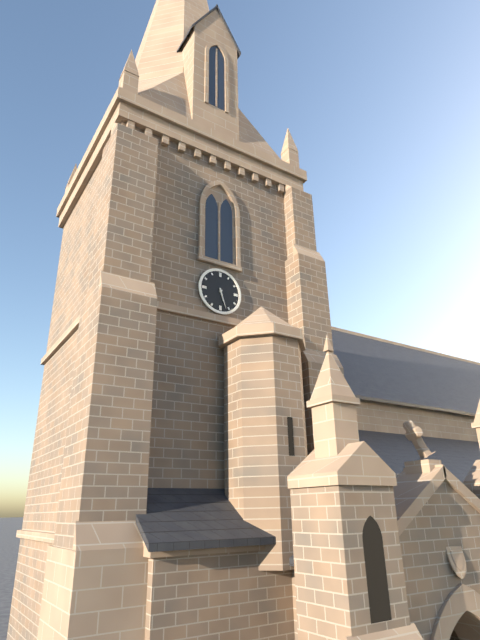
5:27
